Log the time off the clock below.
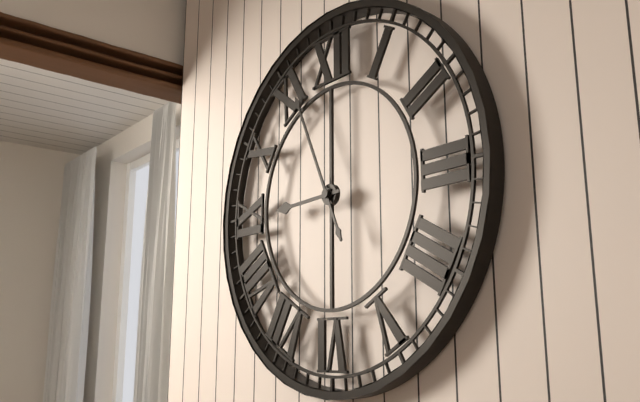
8:56
